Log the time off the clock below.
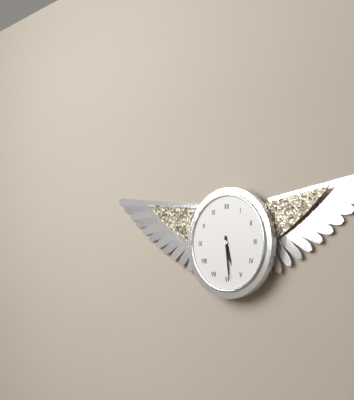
5:29
